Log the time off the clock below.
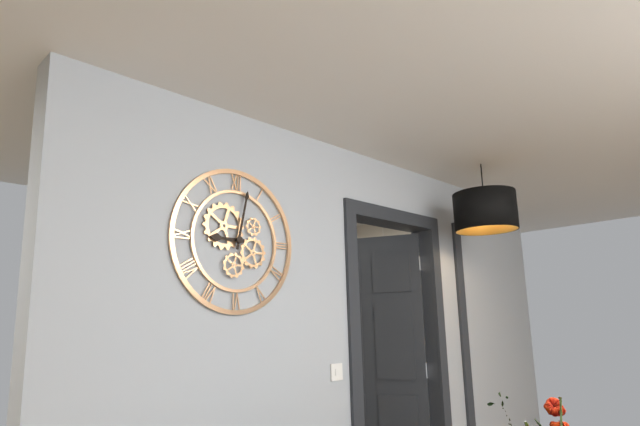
9:02
